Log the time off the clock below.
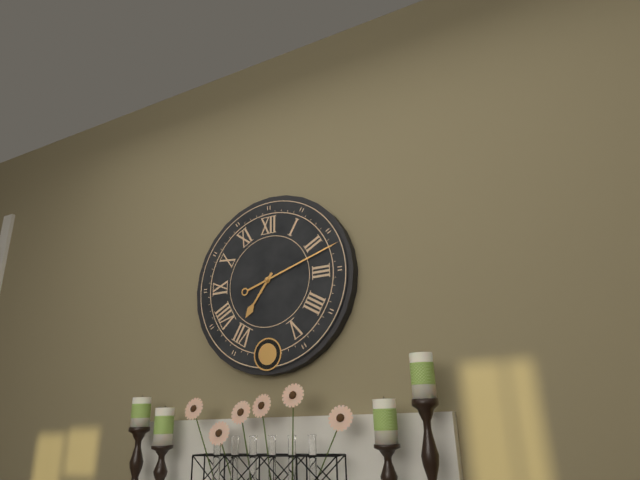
7:12
